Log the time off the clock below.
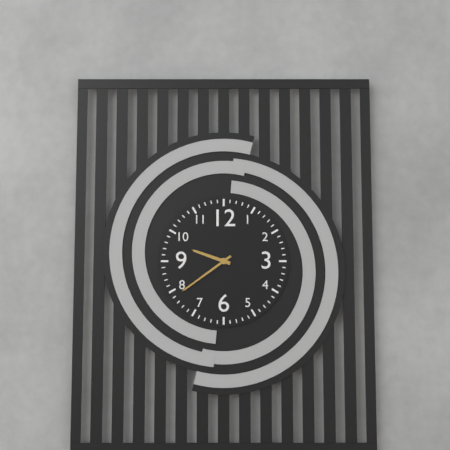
9:39
